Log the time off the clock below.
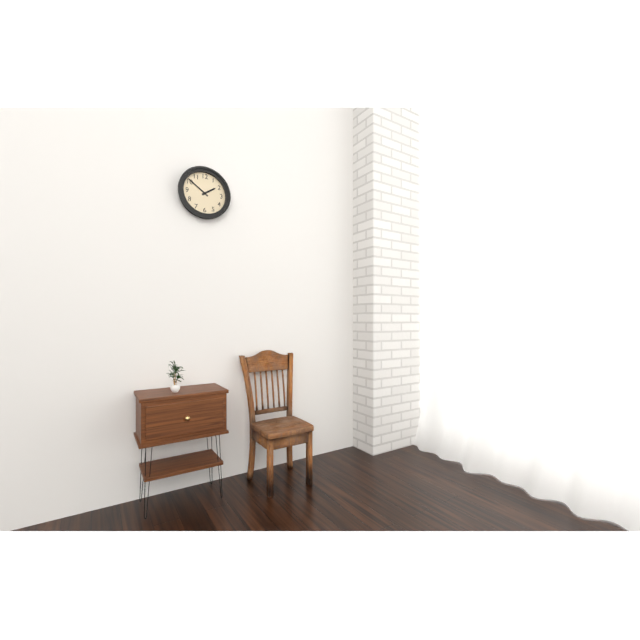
1:51
